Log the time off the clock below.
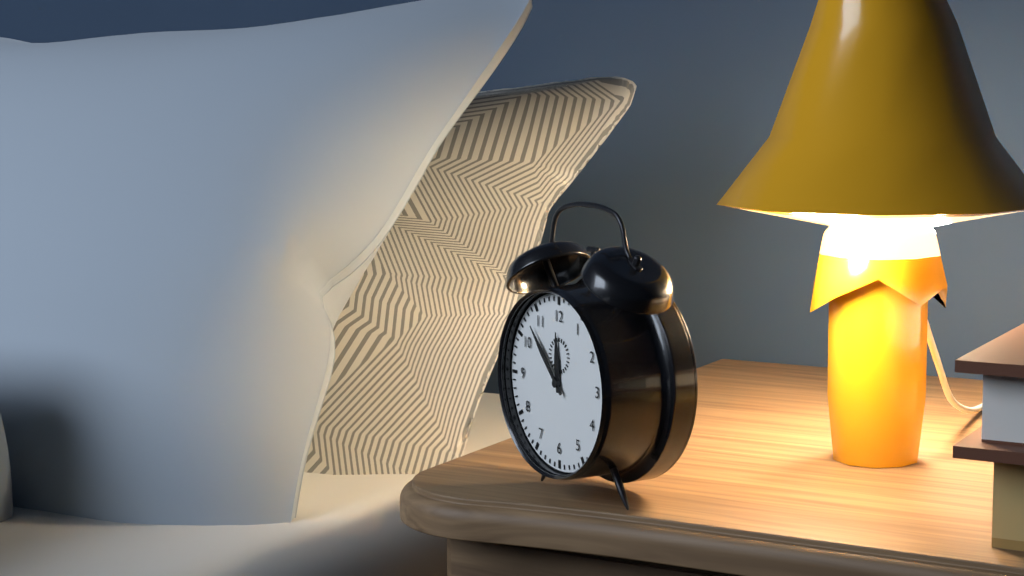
11:53
